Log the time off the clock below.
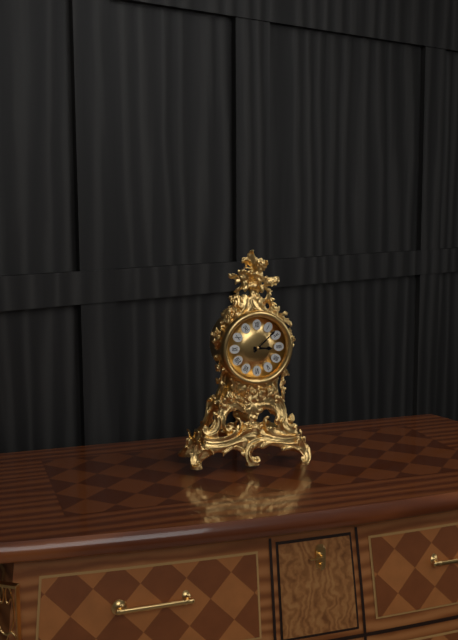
3:08
